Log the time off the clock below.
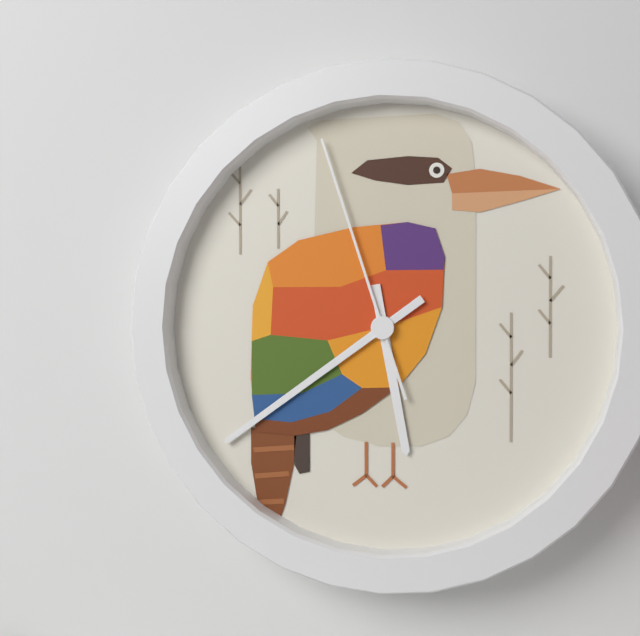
5:39:57
